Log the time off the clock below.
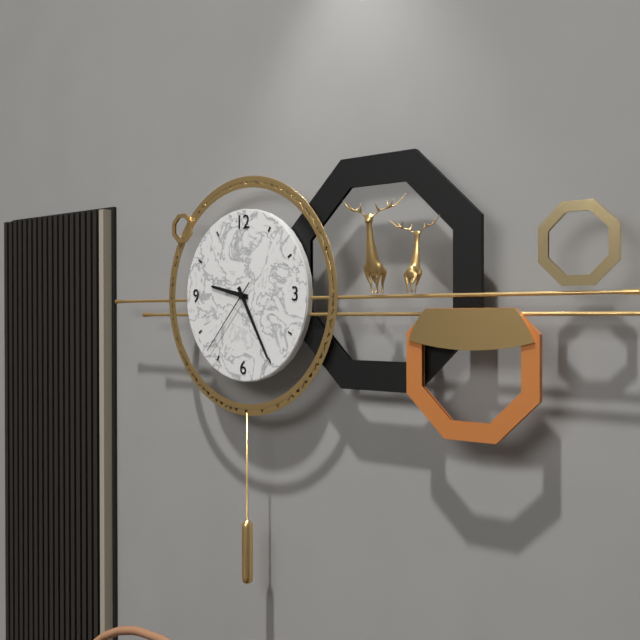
9:25:37
